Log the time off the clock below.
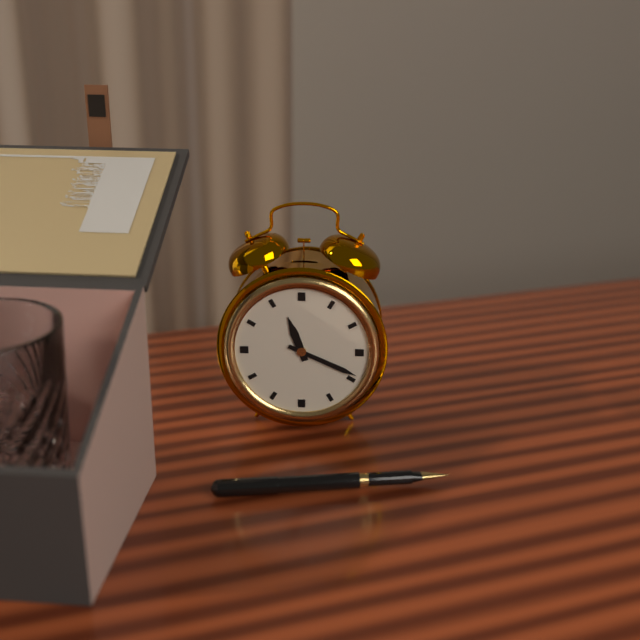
11:19
